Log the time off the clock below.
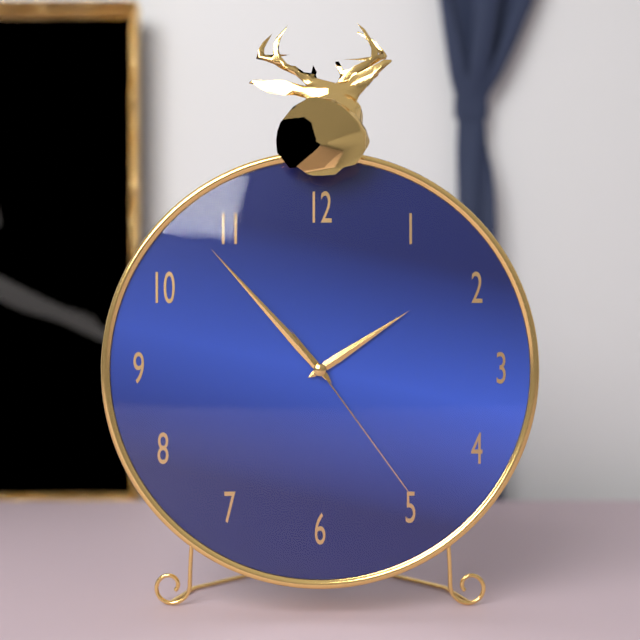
1:53:24
